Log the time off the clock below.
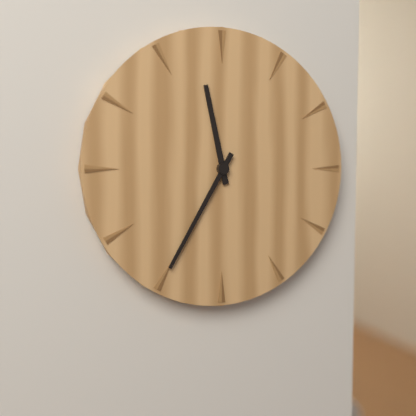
11:35
